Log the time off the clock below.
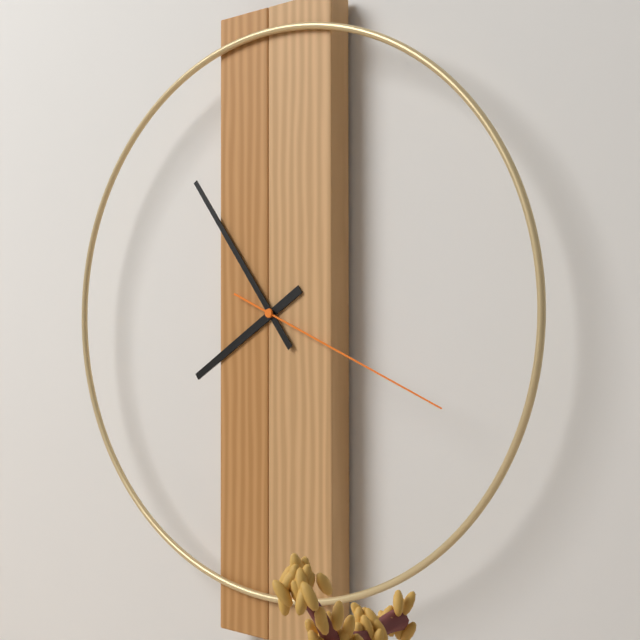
7:54:19
